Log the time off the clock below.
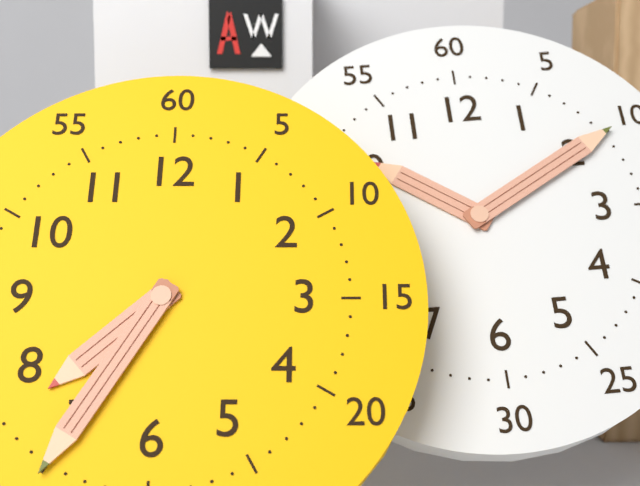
7:35
